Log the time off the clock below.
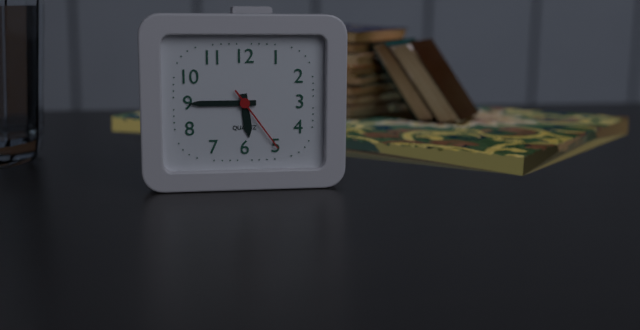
5:45:24
